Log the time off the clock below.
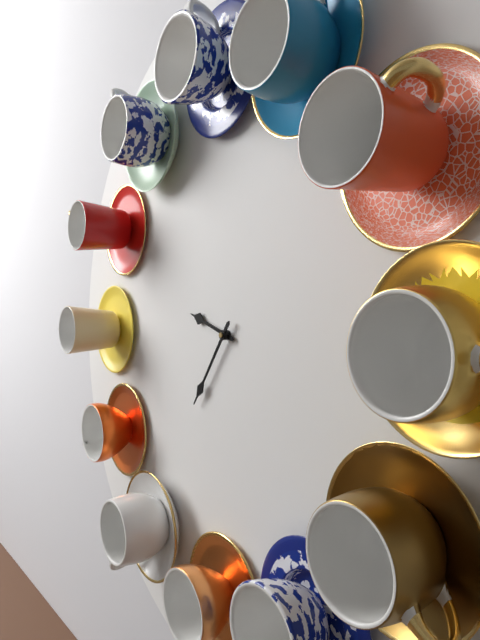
9:36
